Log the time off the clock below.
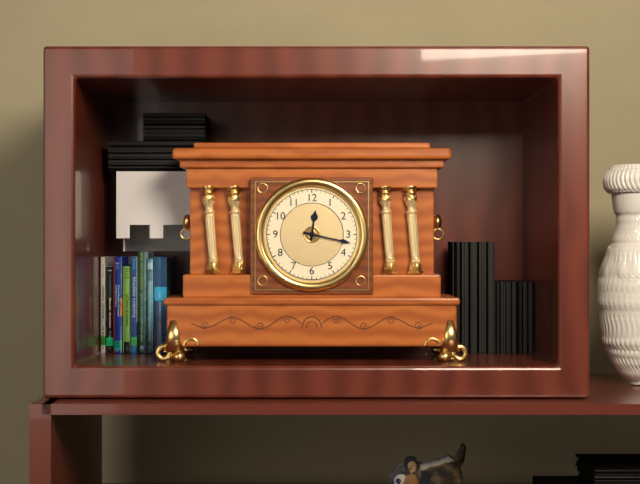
12:17
